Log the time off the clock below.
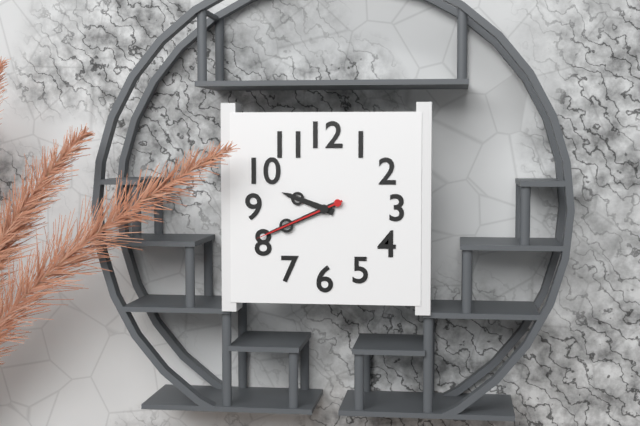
9:41:41
